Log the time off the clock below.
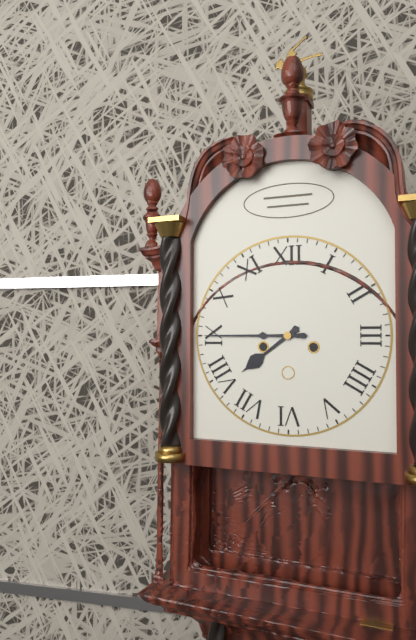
7:45
